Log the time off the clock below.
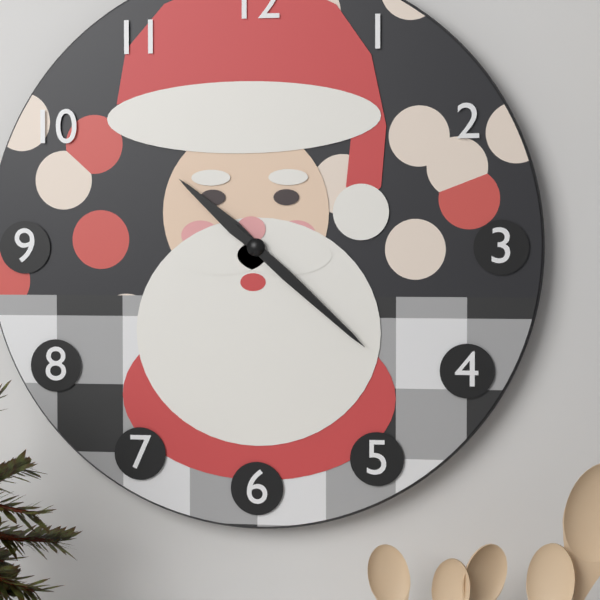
10:22
